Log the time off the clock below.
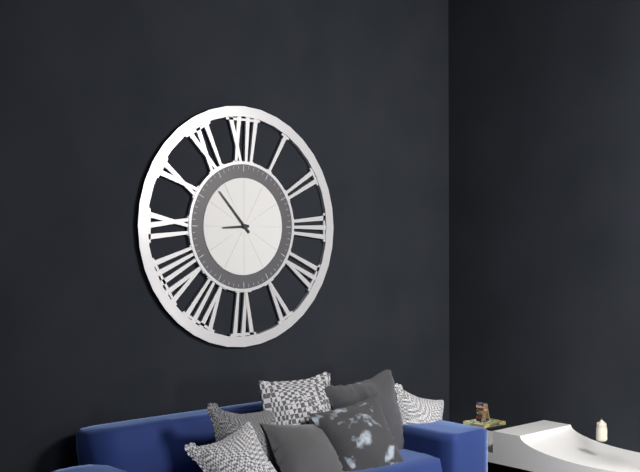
8:53
